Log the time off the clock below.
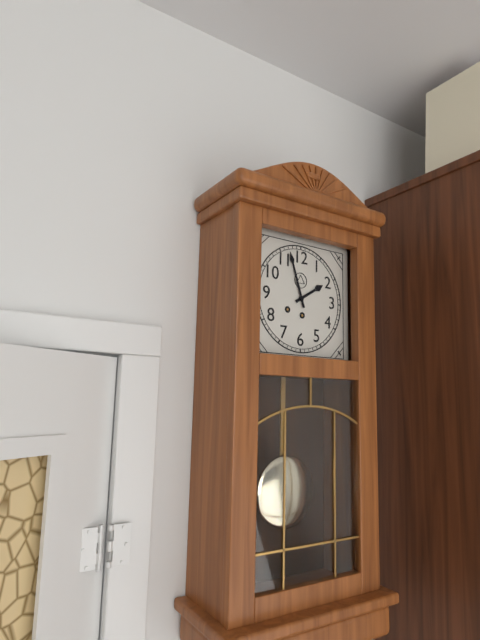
1:57
